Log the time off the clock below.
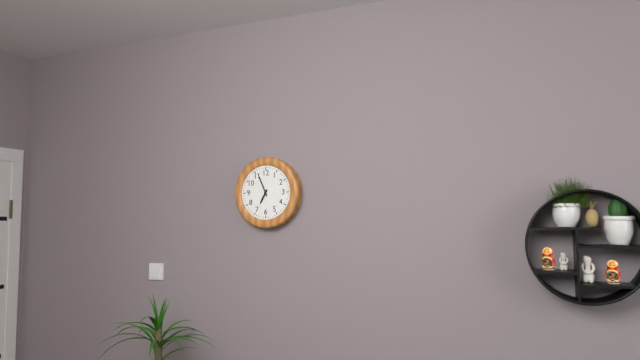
6:56
